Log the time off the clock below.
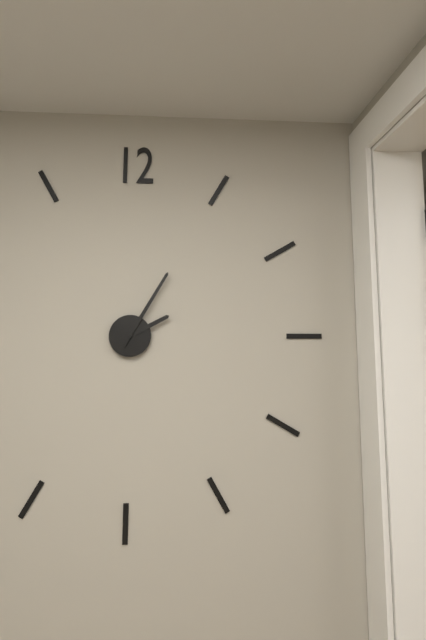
2:05
